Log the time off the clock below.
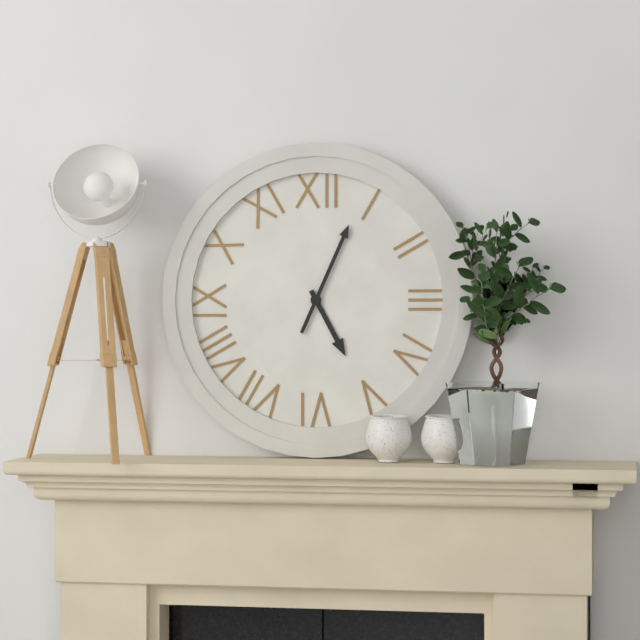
5:04
